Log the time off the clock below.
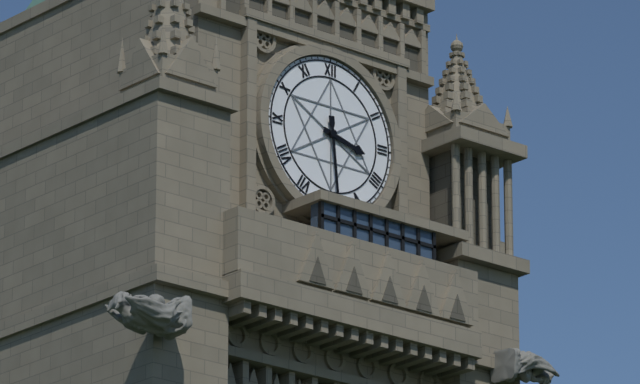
3:29
